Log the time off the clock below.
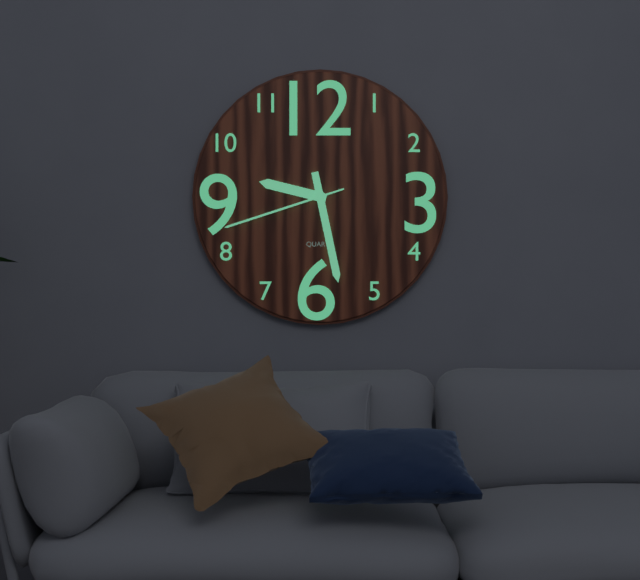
9:28:42
